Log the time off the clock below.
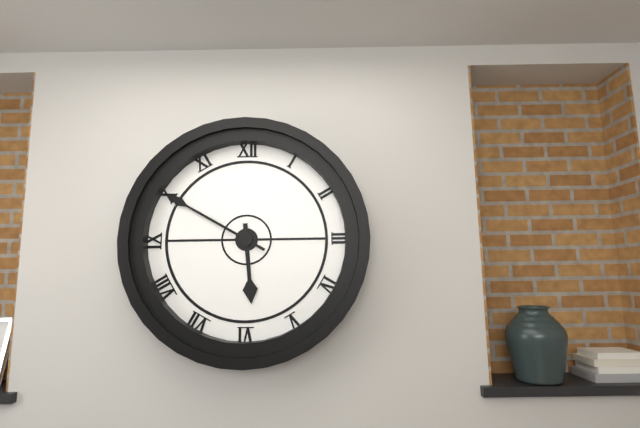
5:50
